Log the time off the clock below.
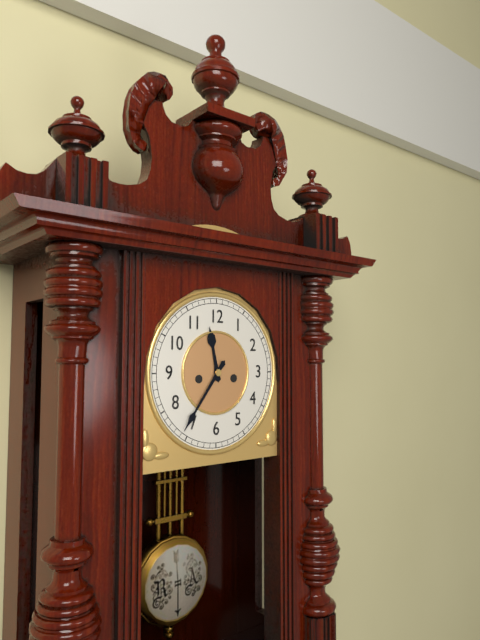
11:36
